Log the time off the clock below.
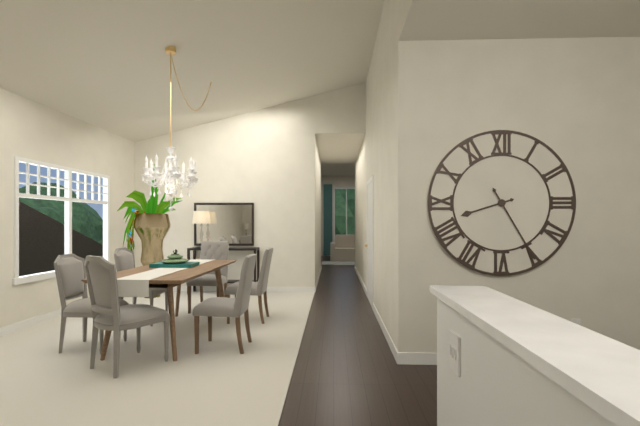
8:25
